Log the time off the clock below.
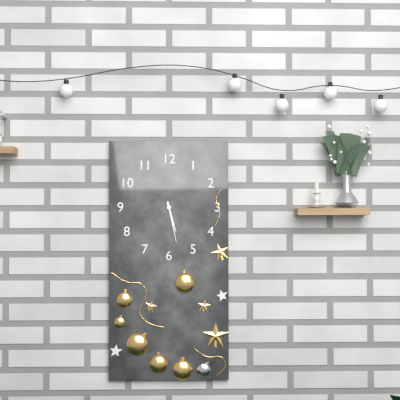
5:28
